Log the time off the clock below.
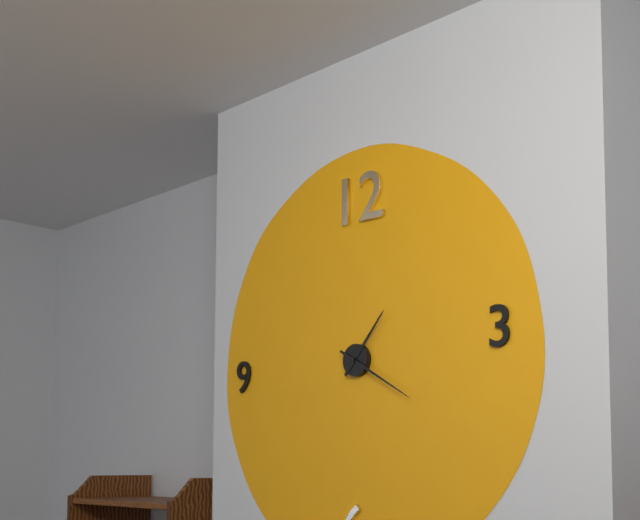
1:20
